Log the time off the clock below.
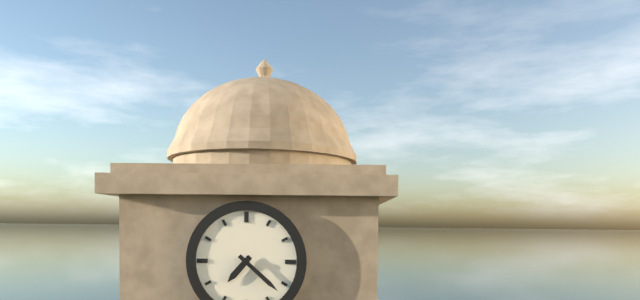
7:22
